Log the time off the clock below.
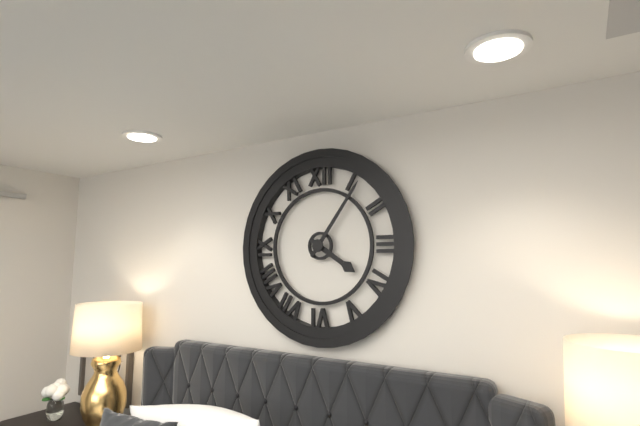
4:06
